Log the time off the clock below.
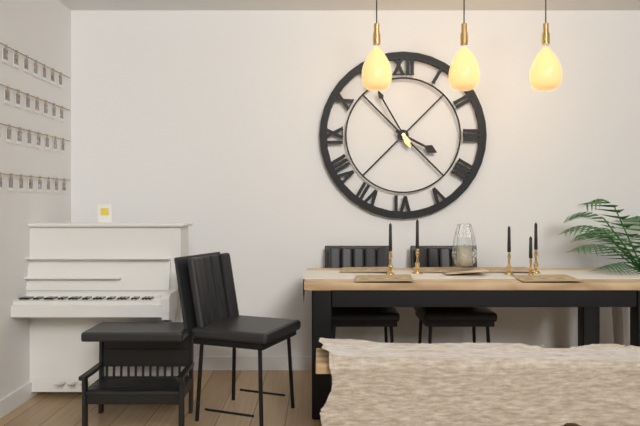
3:55
